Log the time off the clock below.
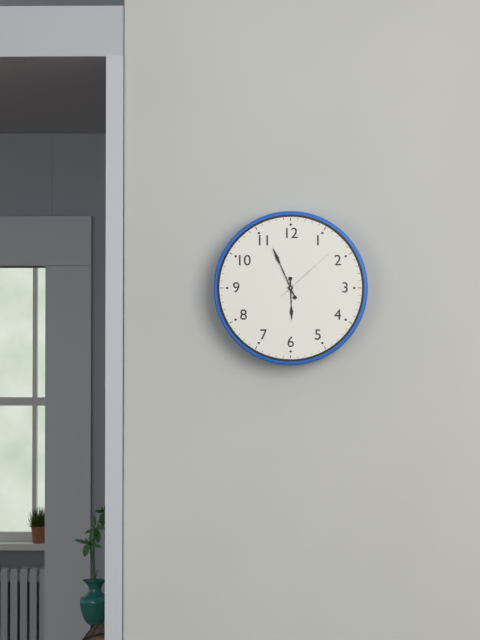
5:56:08
